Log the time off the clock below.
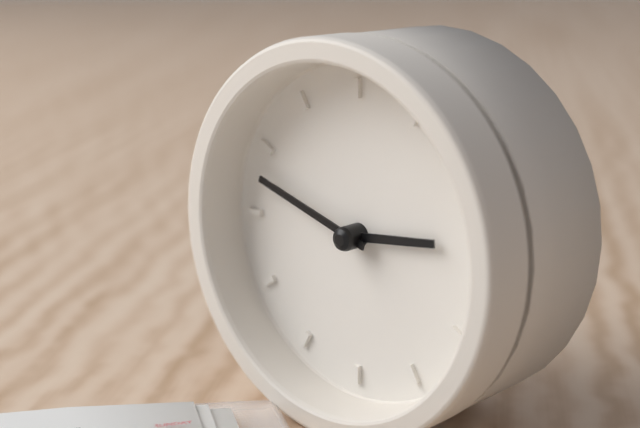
2:48
